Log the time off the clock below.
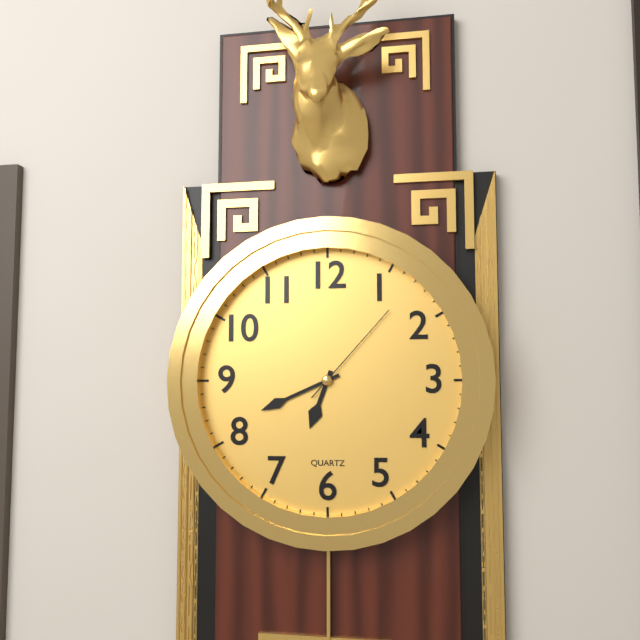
6:41:07
